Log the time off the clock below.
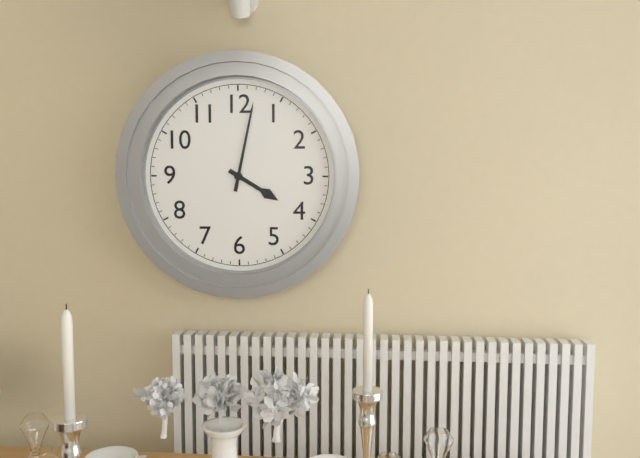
4:02
